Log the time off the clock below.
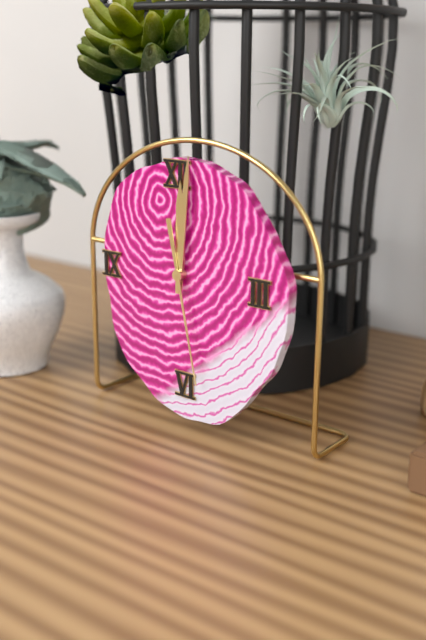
12:01:28
